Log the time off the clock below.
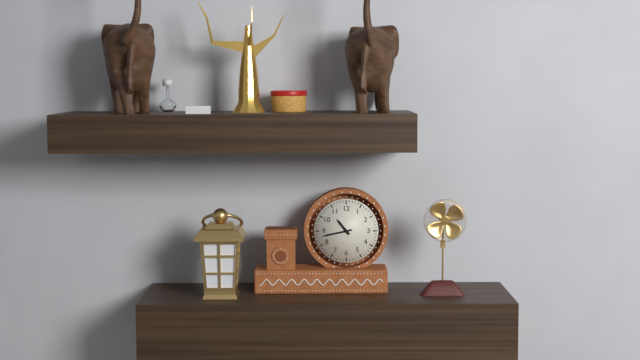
10:43
